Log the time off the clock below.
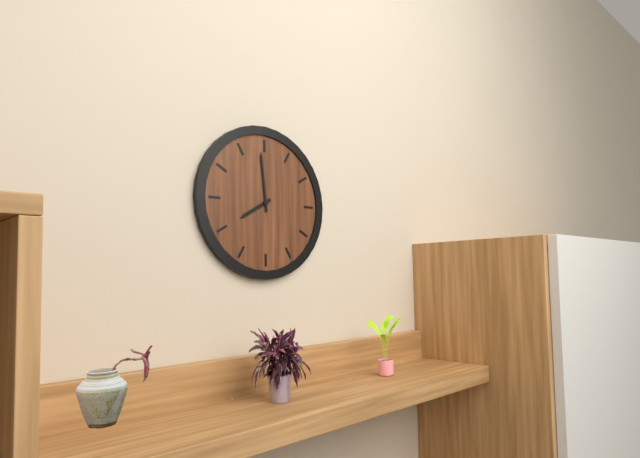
7:59
